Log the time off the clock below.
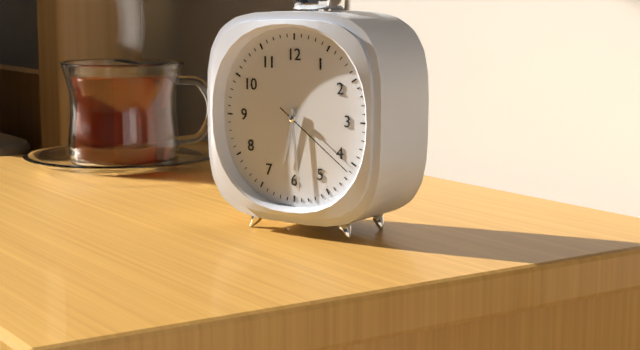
6:29:21
